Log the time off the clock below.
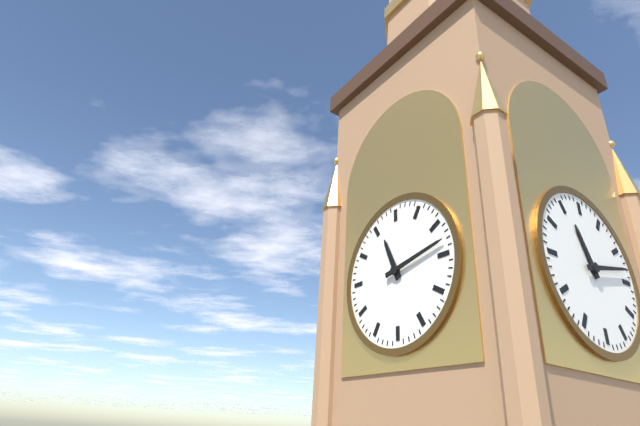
11:13
